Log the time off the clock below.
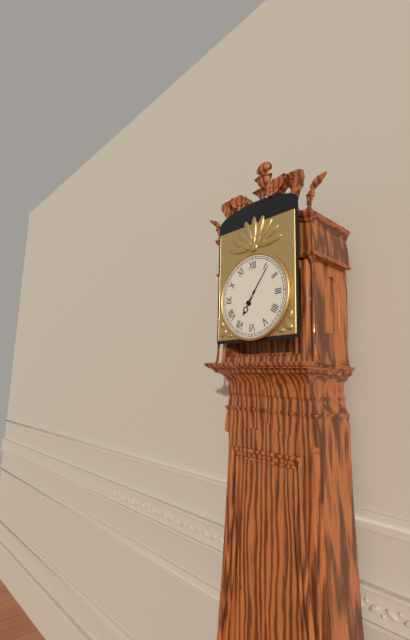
7:06
